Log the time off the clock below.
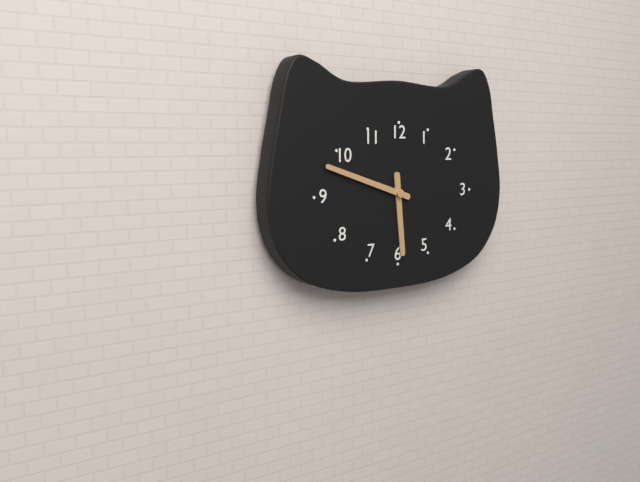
5:48
